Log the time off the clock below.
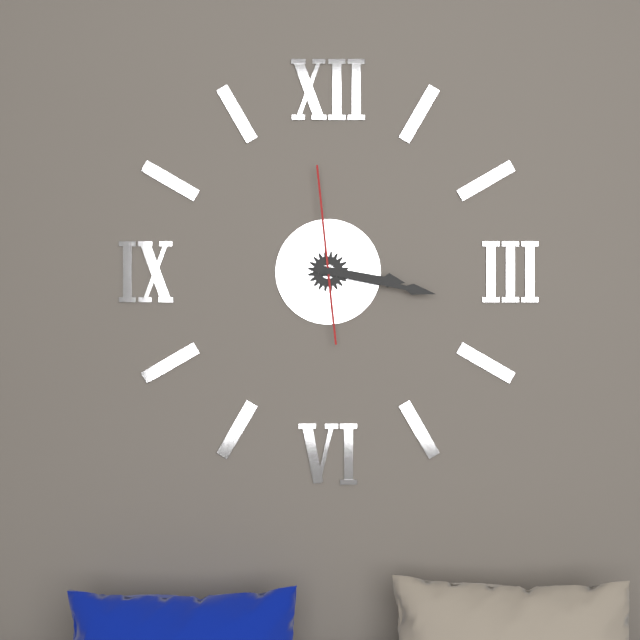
3:17:59
